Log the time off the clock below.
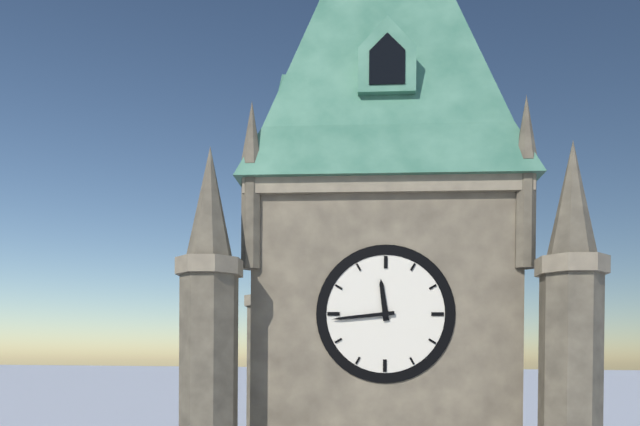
11:44
